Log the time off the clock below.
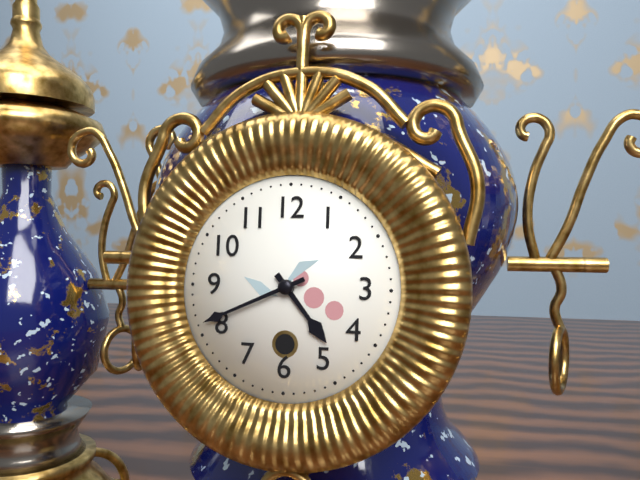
4:41
